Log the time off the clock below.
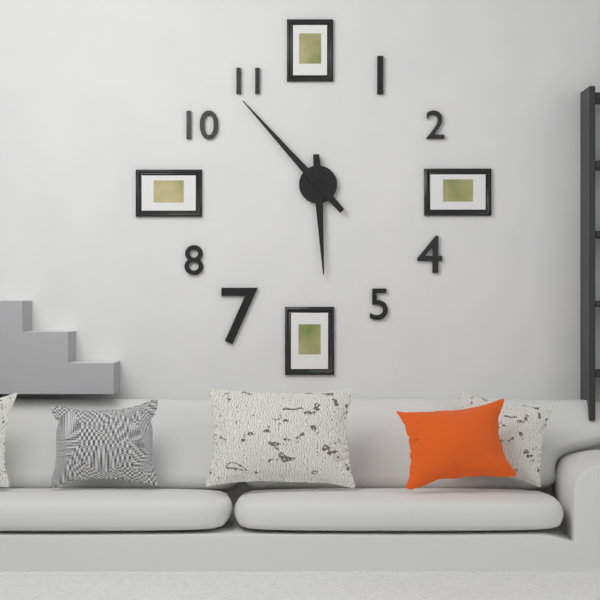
5:53
